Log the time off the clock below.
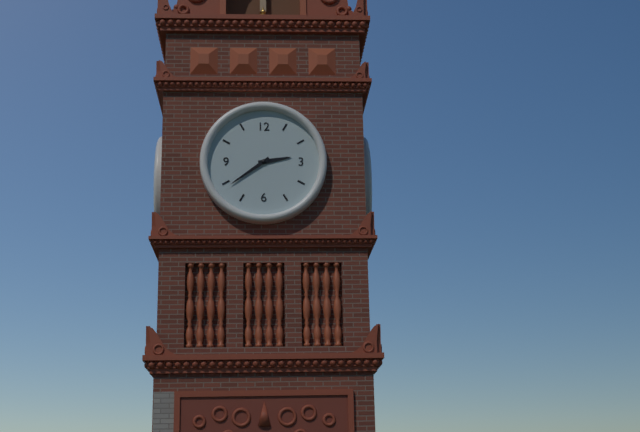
2:39
